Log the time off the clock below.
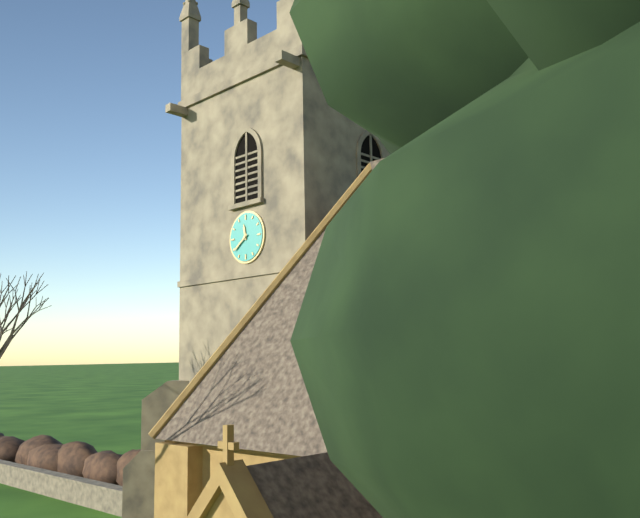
11:39
